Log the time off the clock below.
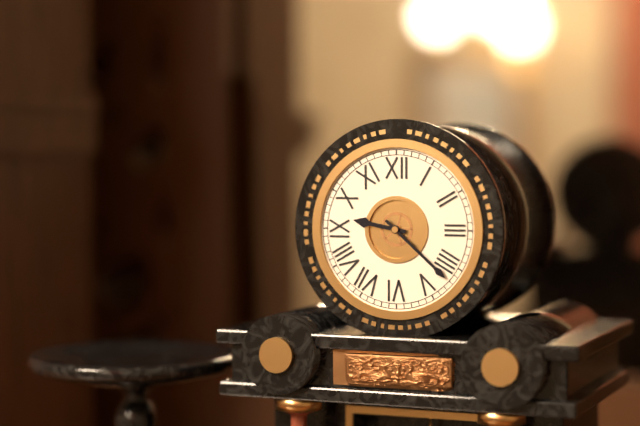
9:22
